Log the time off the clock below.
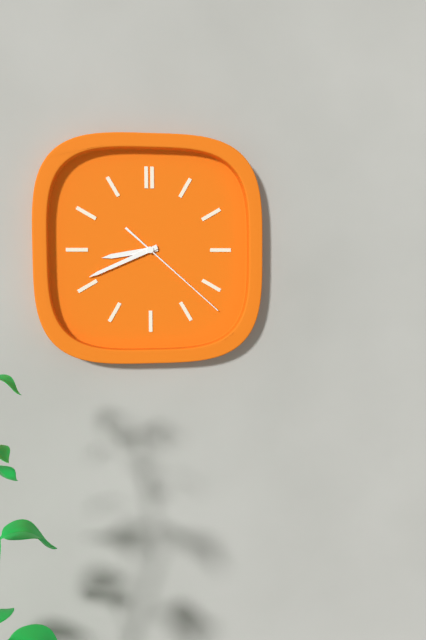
8:41:22
